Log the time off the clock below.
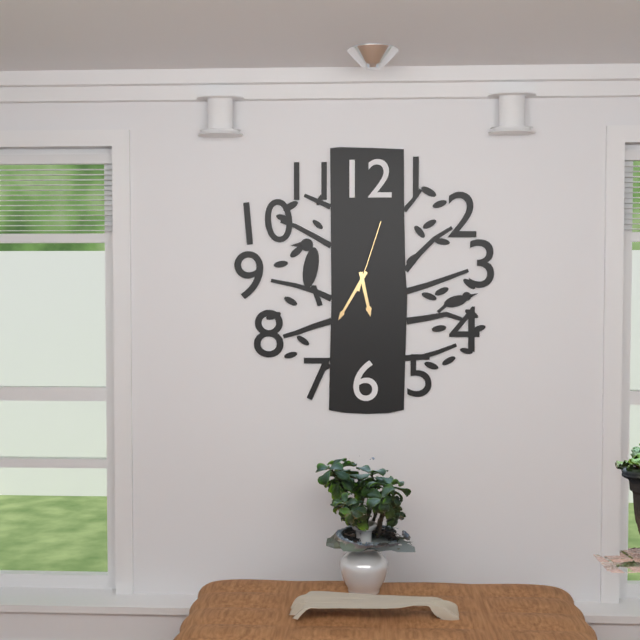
5:35:03
